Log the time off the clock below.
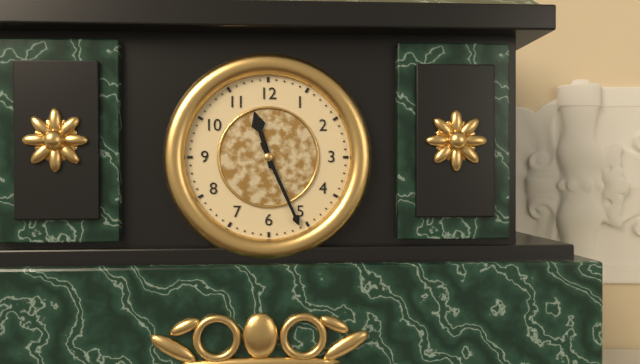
11:26
